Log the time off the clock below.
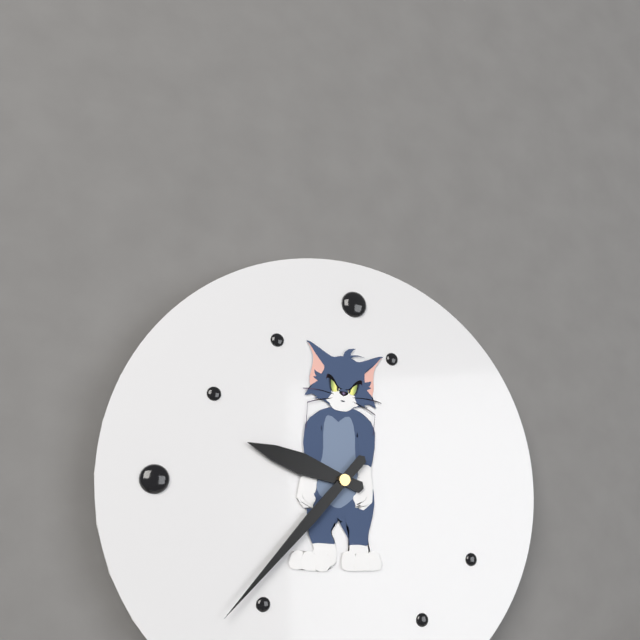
9:37
